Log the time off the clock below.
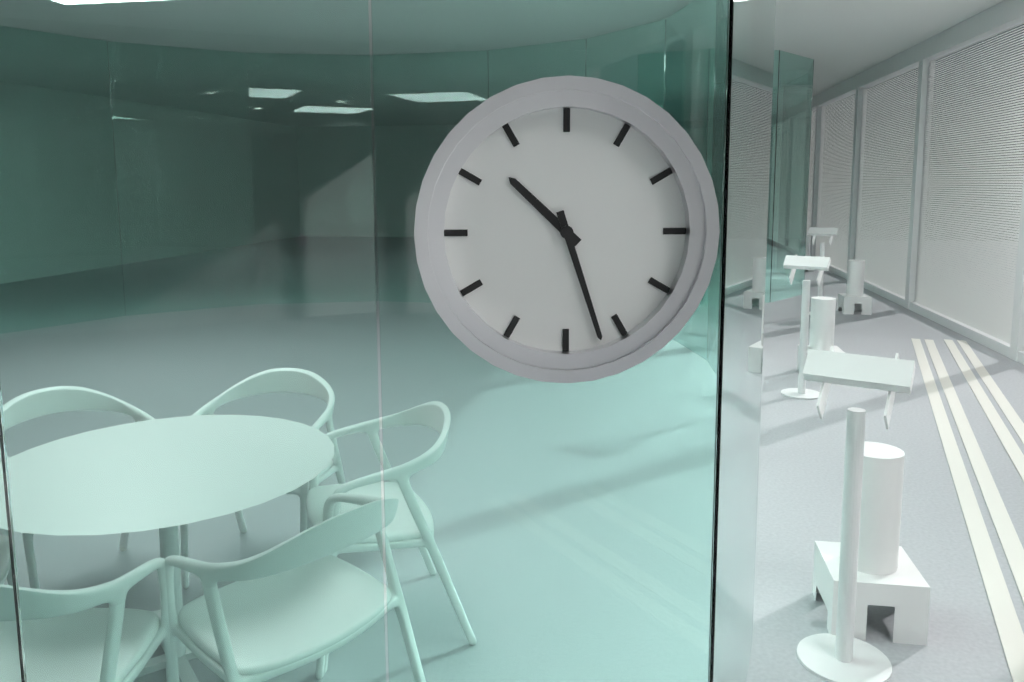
10:27
